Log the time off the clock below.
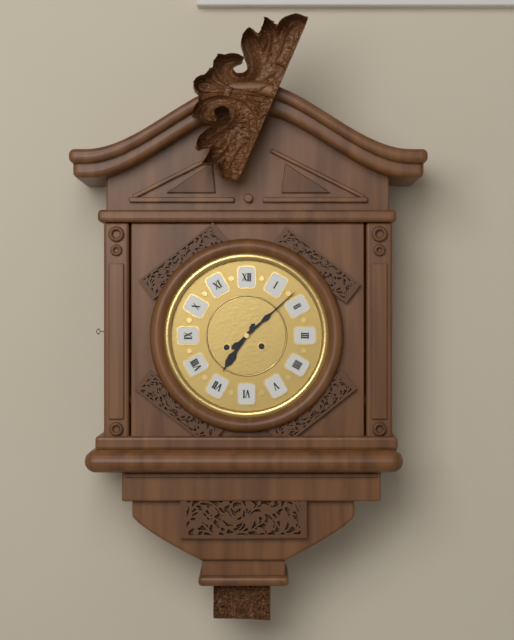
7:08
